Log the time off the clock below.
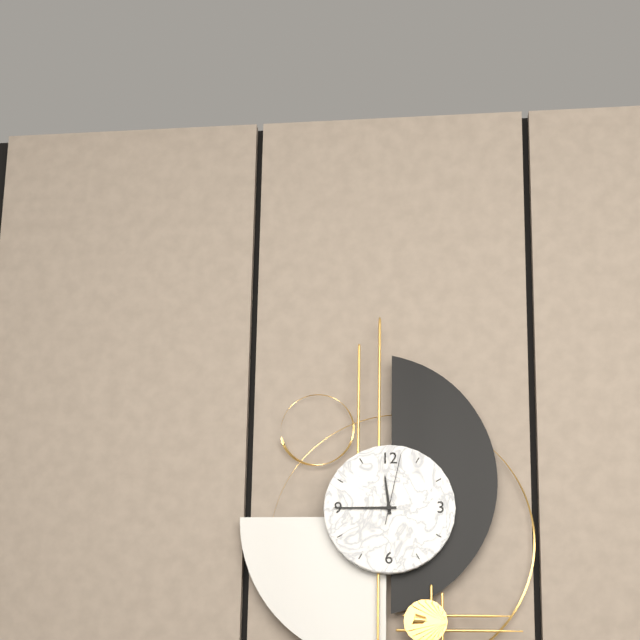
11:45:02
